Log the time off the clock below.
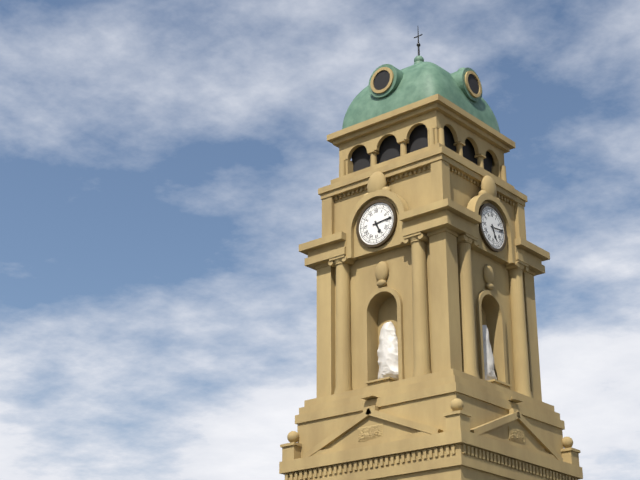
5:14
